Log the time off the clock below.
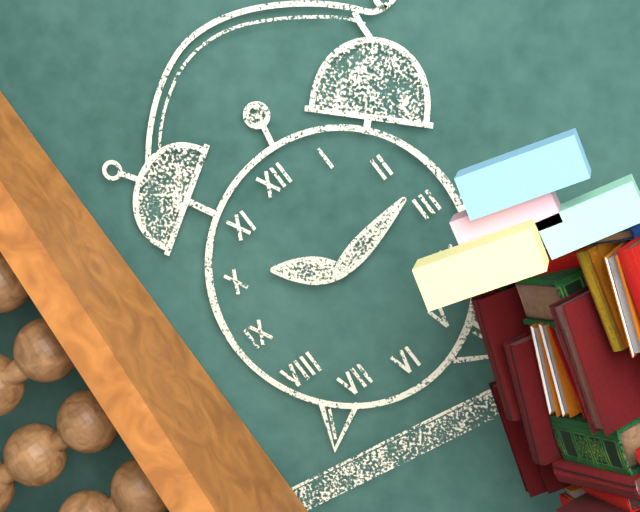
10:13
